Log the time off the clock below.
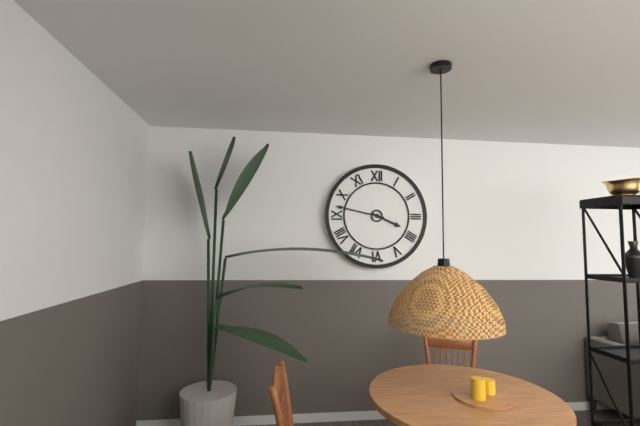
3:47
